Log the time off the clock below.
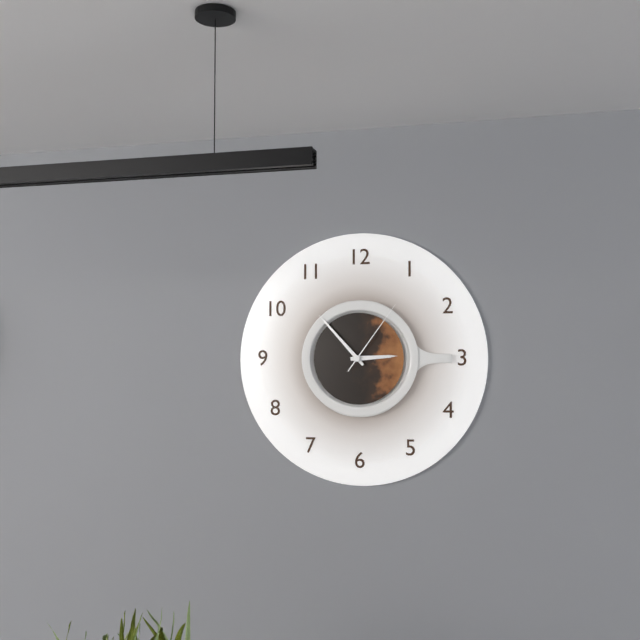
2:53:06
